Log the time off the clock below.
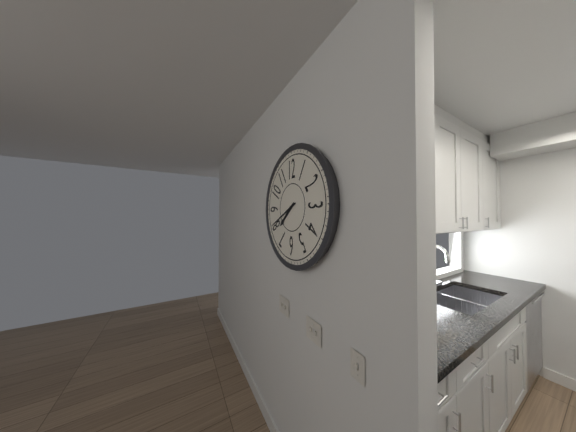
7:41
